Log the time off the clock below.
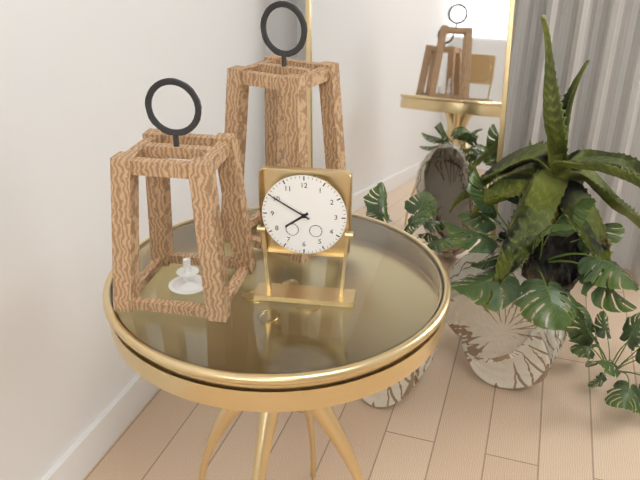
7:50
